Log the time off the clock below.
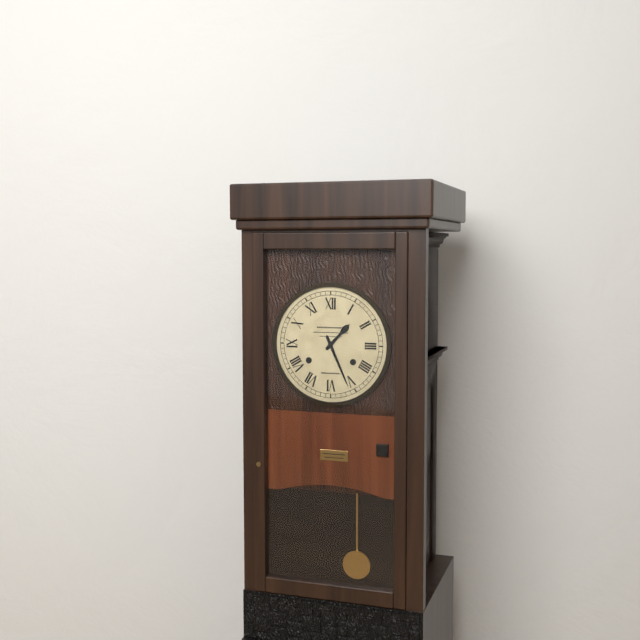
1:26
